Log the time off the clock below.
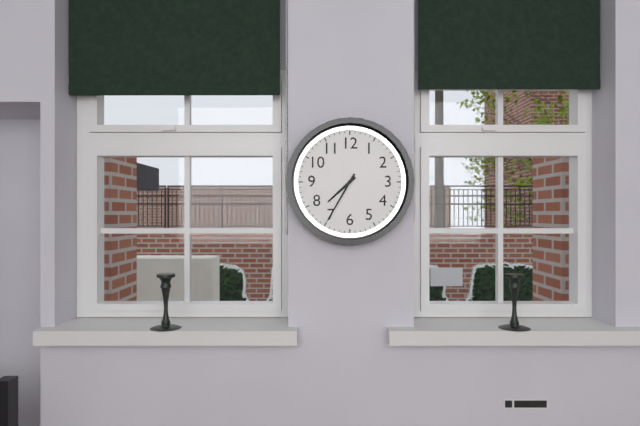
7:35
